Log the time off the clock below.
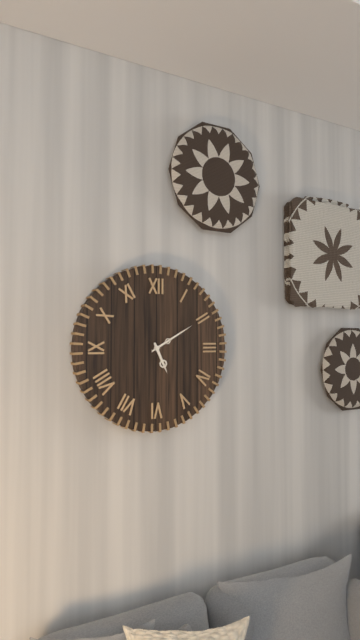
5:10
